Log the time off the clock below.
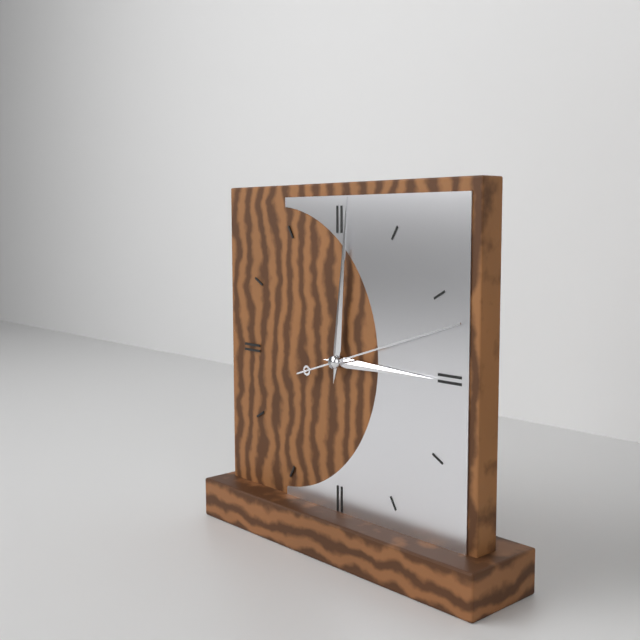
3:01:12
